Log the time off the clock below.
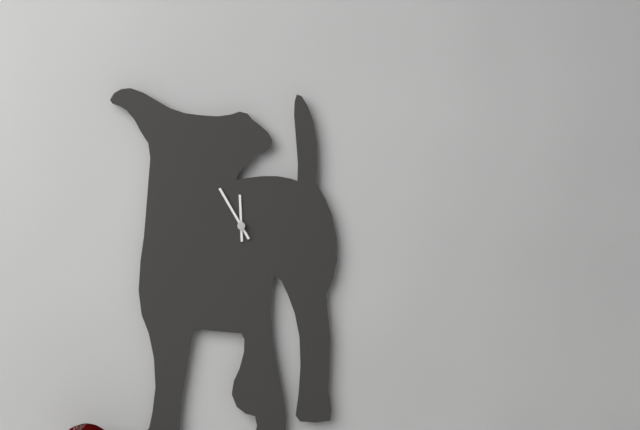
11:55
